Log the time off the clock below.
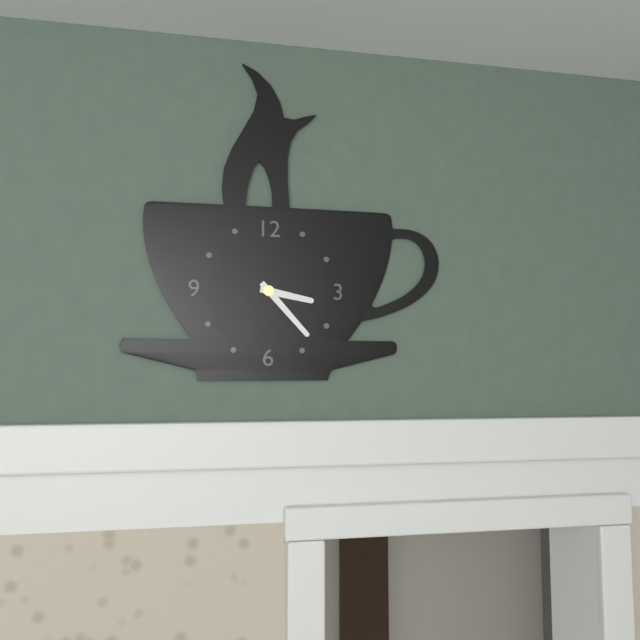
3:23
